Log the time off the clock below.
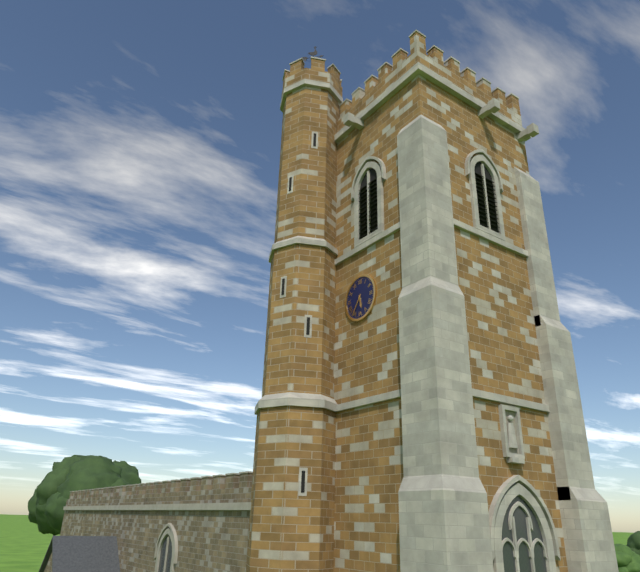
5:36
